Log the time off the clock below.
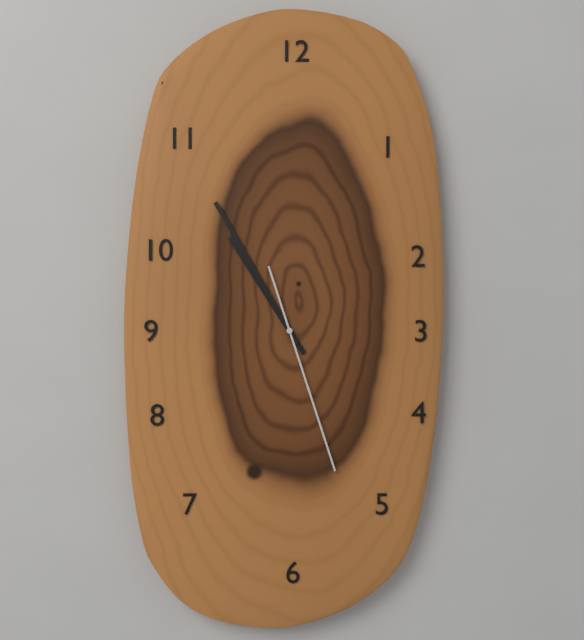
10:55:27
